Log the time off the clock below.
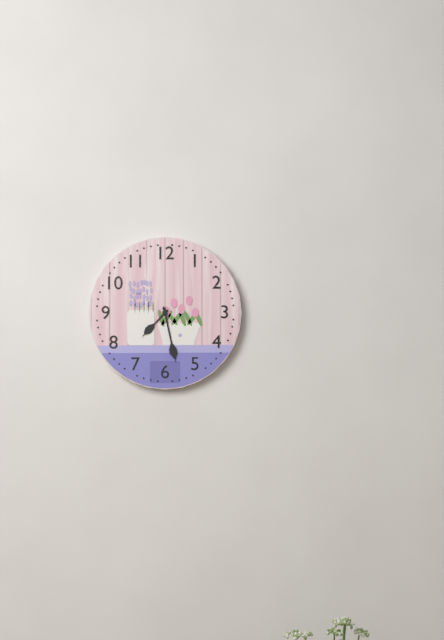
7:28
